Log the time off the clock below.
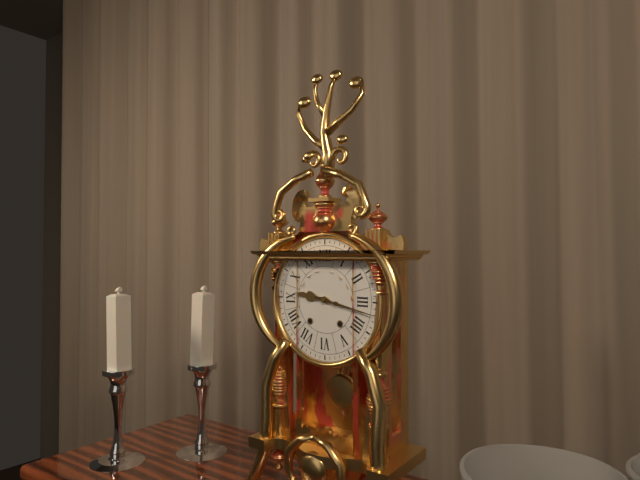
9:17
